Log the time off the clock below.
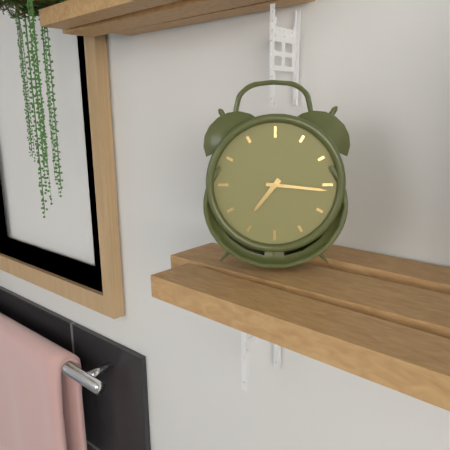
7:16
